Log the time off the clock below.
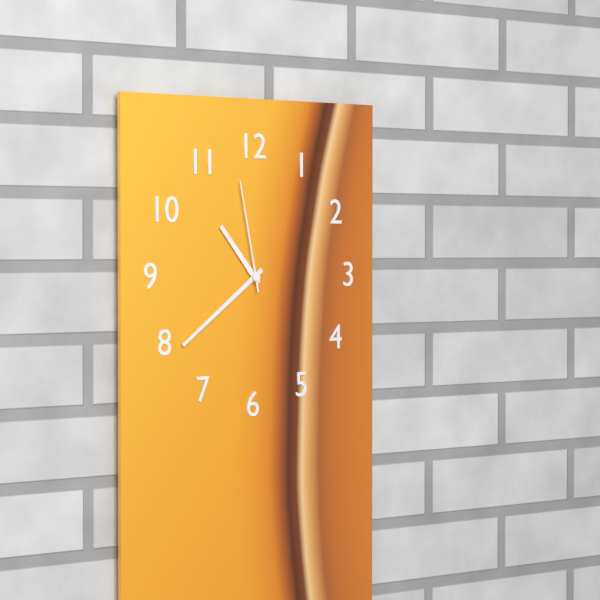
10:39:58
